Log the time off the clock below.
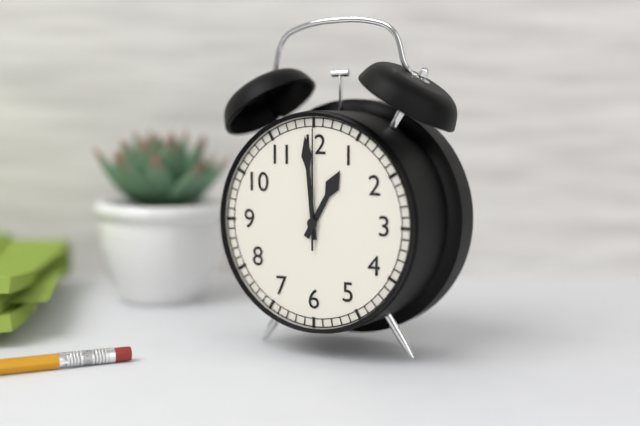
12:59:00
